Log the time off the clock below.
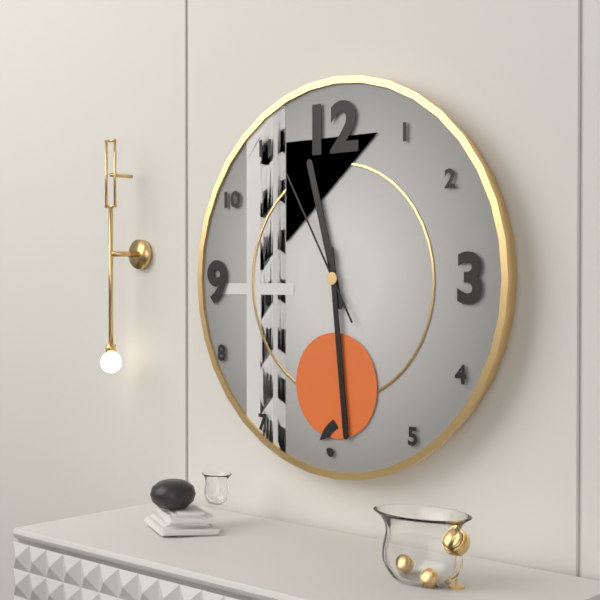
11:29:55
